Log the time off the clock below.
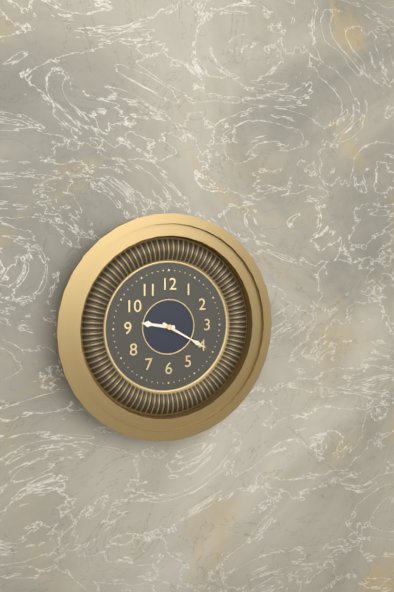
9:20
